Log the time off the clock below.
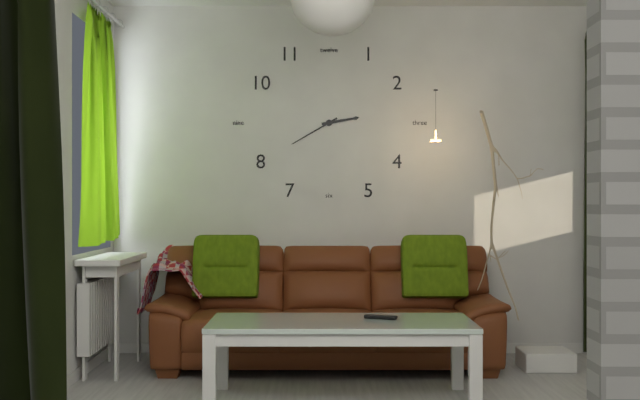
2:40
